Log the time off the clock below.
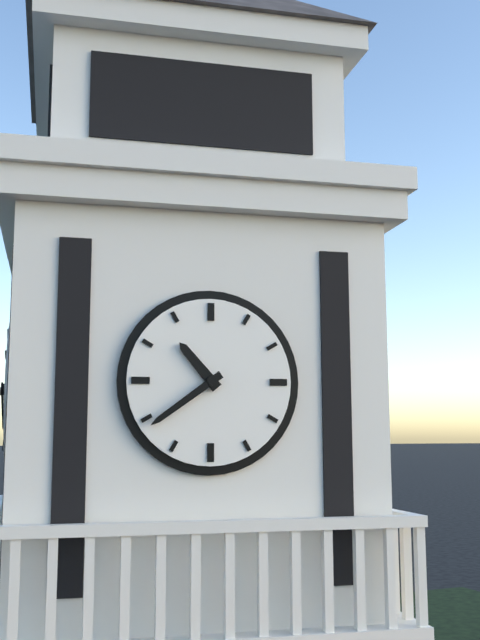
10:39
